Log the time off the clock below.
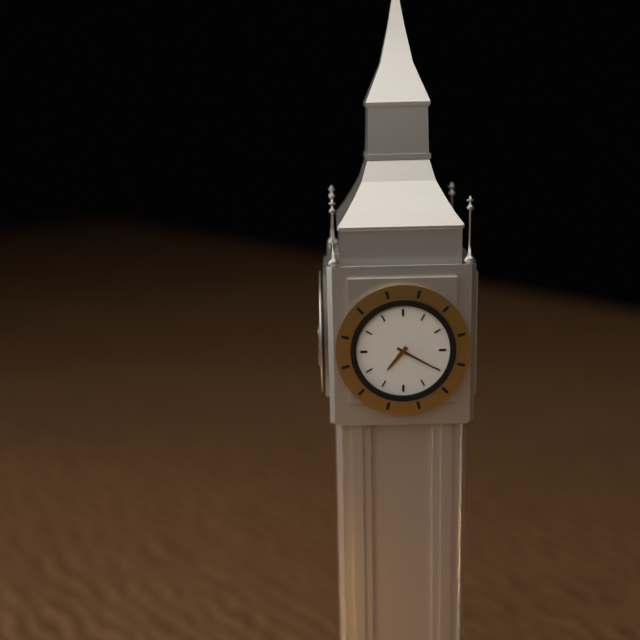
7:20
